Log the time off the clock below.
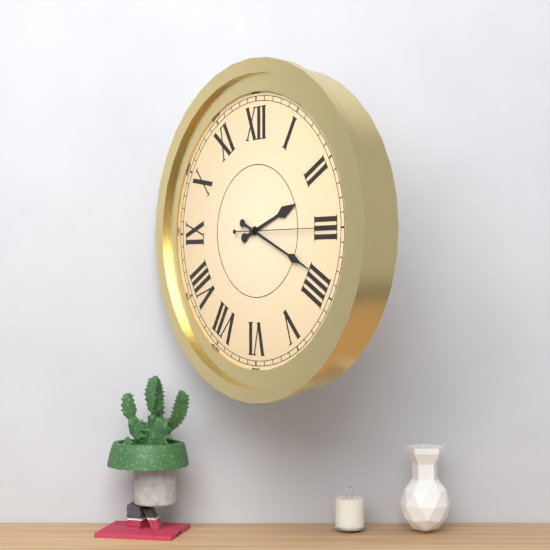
2:19
